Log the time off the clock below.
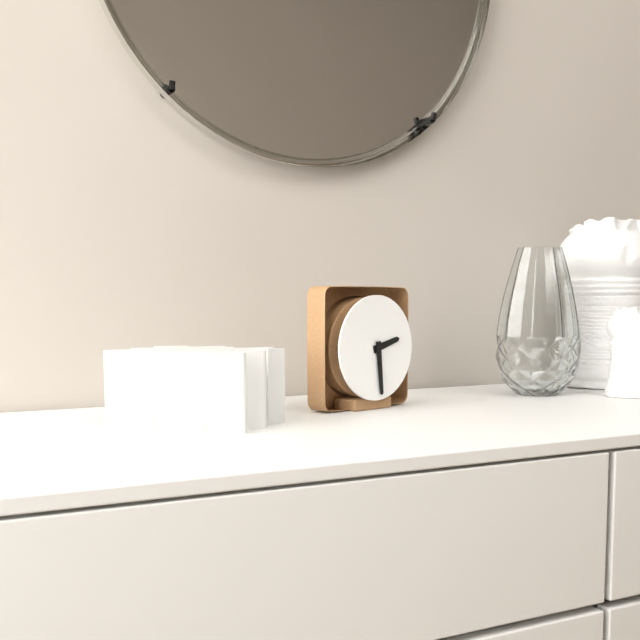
2:29
